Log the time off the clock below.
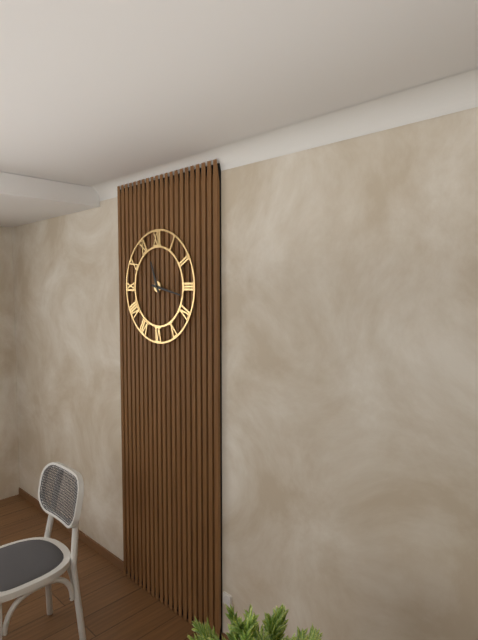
11:17
